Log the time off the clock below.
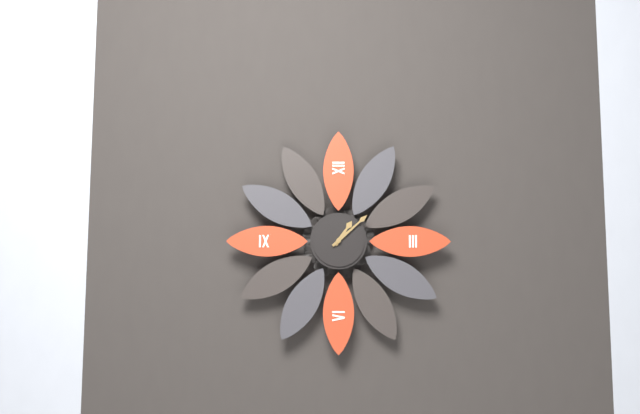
1:08
